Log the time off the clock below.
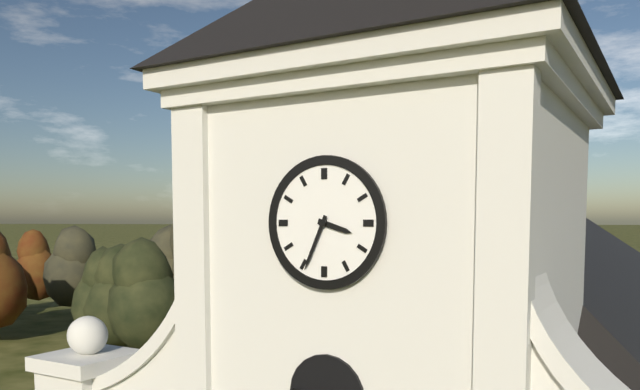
3:34
